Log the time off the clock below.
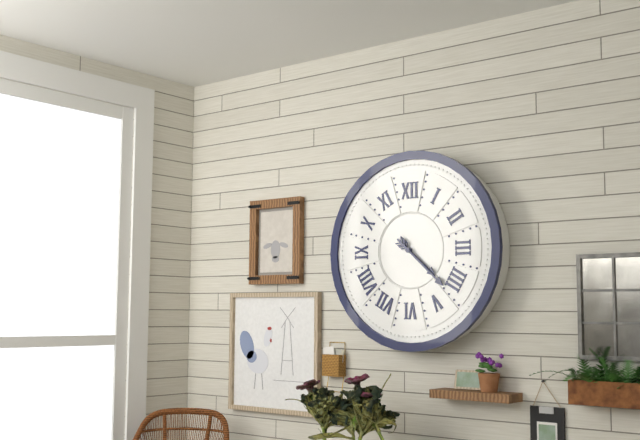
4:22
